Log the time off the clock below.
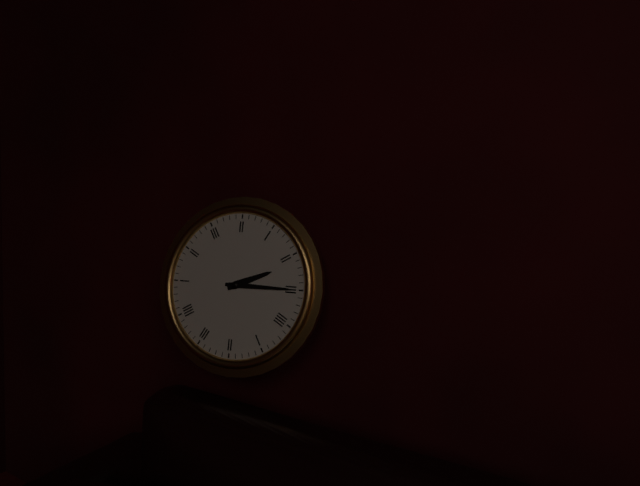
2:15
